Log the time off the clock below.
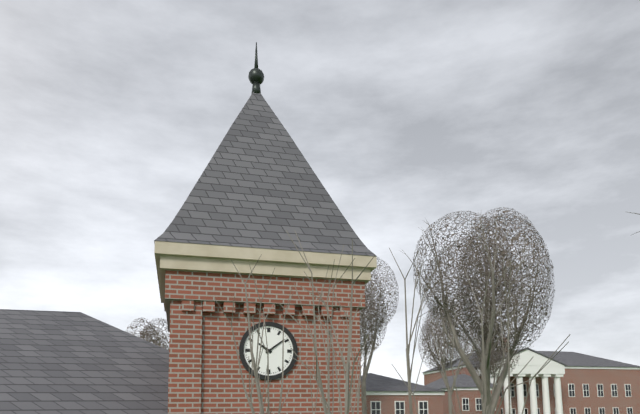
10:09
